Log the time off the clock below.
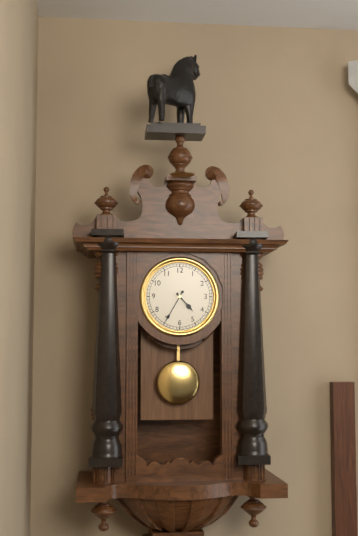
4:35
